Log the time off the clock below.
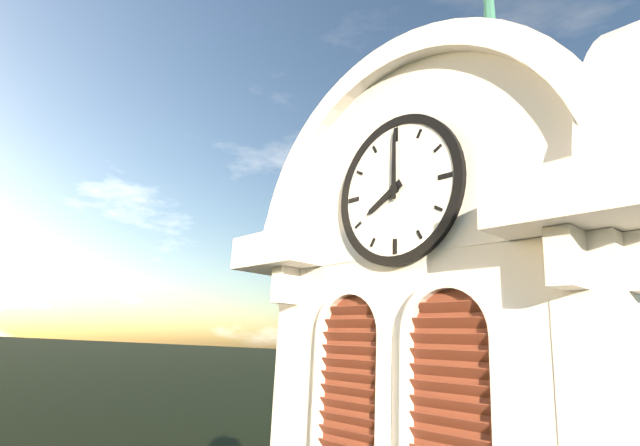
8:00
